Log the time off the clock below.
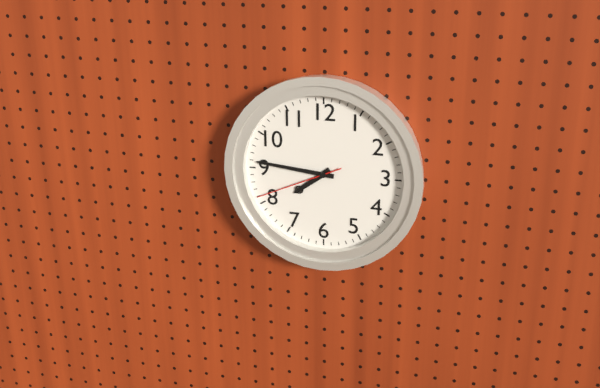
7:46:41
